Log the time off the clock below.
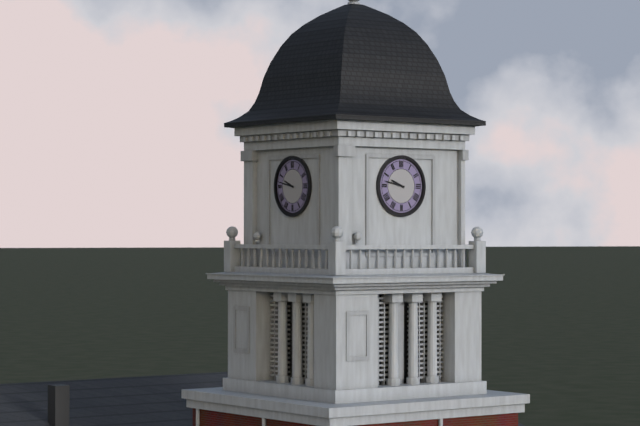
9:47
